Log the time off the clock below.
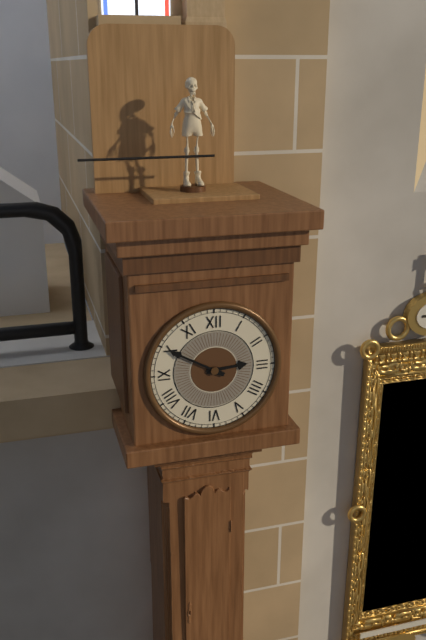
2:50
